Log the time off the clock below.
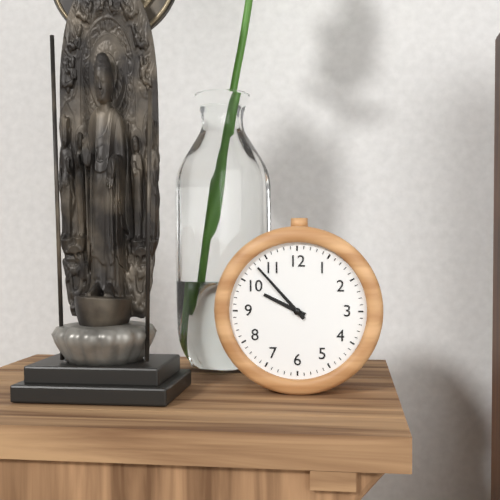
9:53
